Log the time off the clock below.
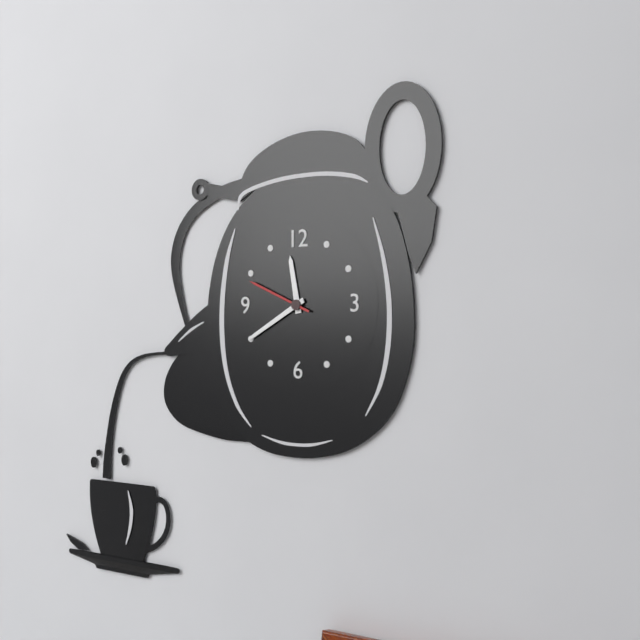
11:40:49
